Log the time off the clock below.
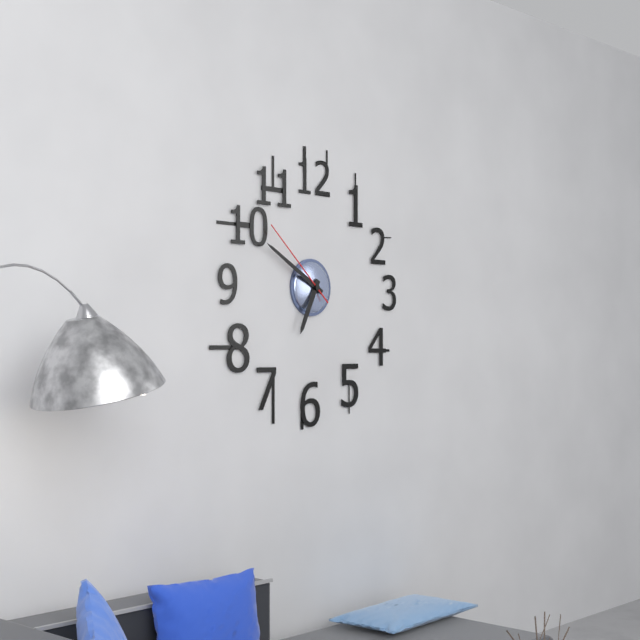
6:50:52
